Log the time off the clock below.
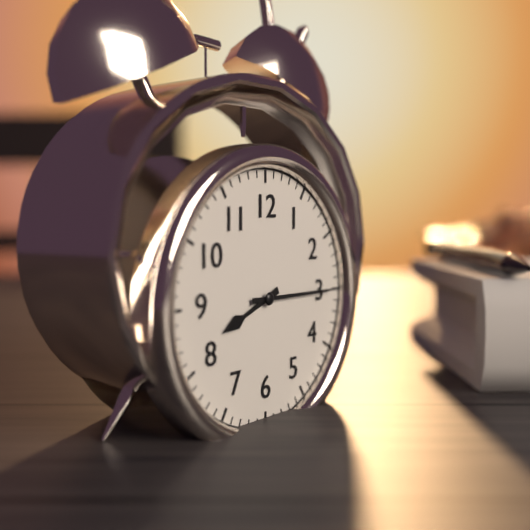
8:15
